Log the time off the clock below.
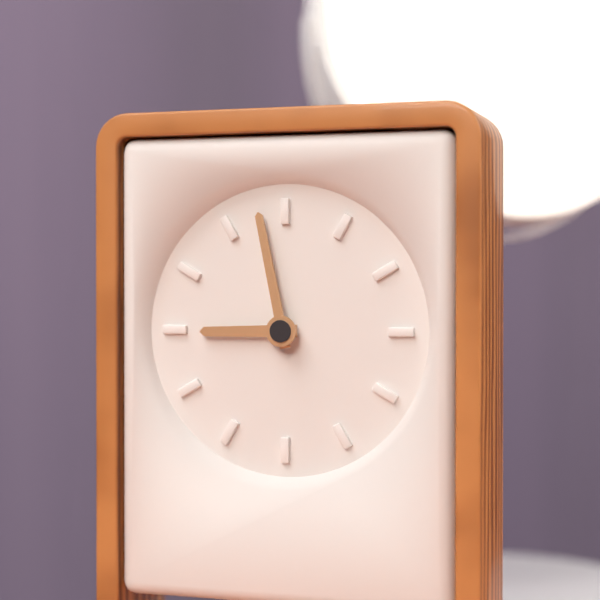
8:58
